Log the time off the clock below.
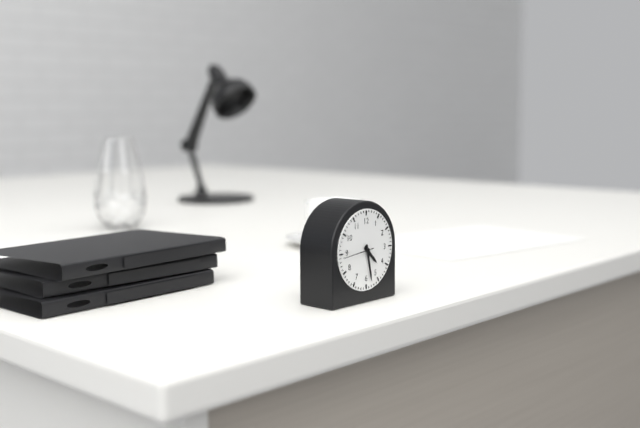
4:28
